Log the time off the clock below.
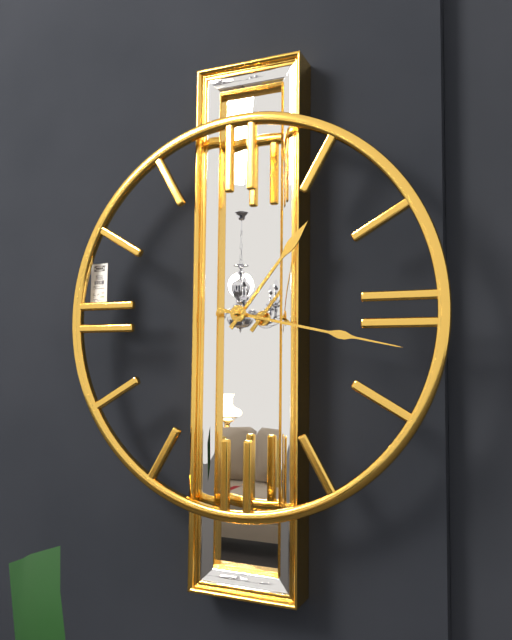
1:17
